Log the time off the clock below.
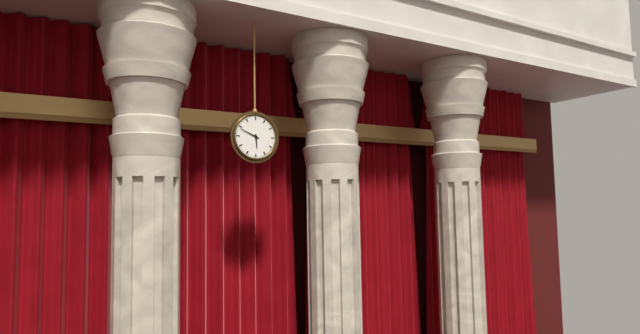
5:49
